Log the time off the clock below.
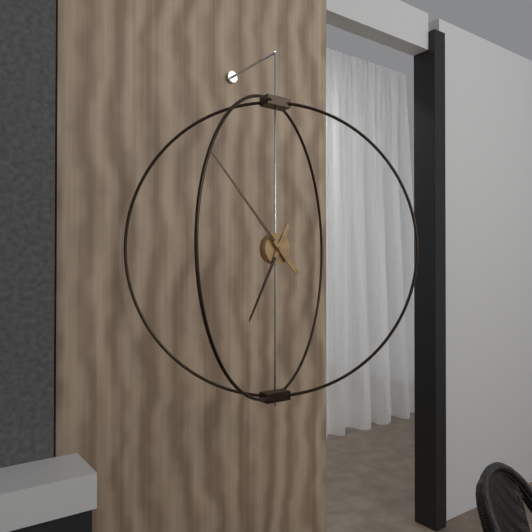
6:53
